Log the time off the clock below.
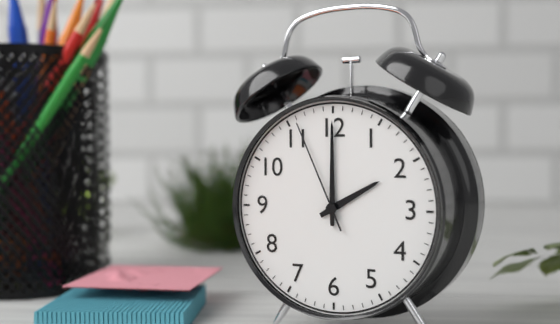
2:00:56
